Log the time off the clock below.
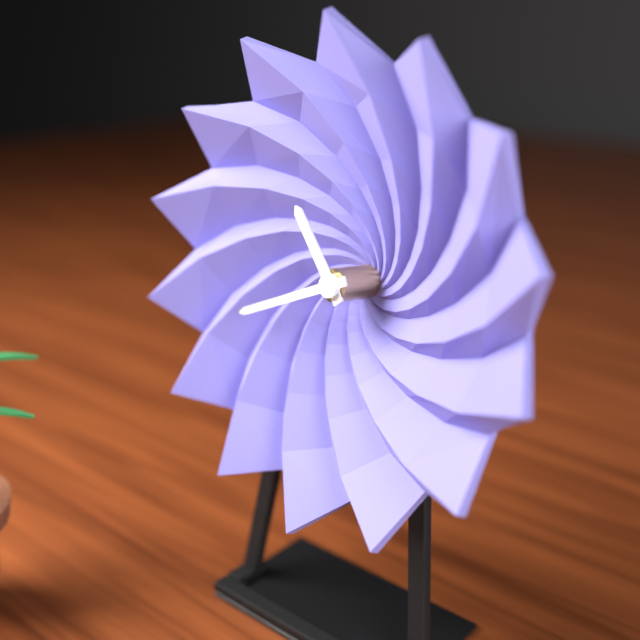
10:41
